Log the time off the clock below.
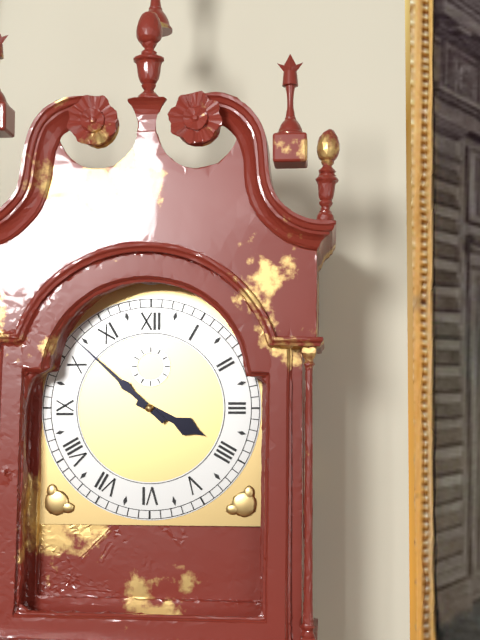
3:52
